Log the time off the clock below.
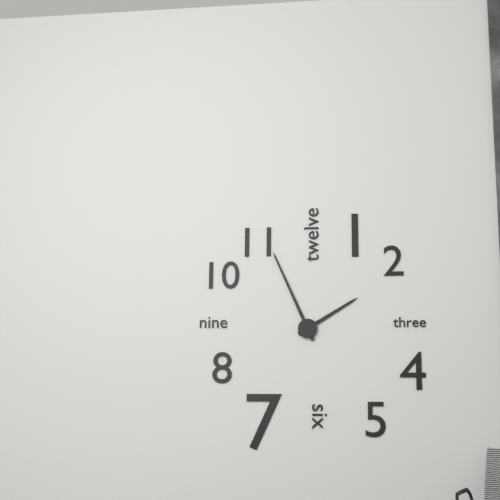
1:56
